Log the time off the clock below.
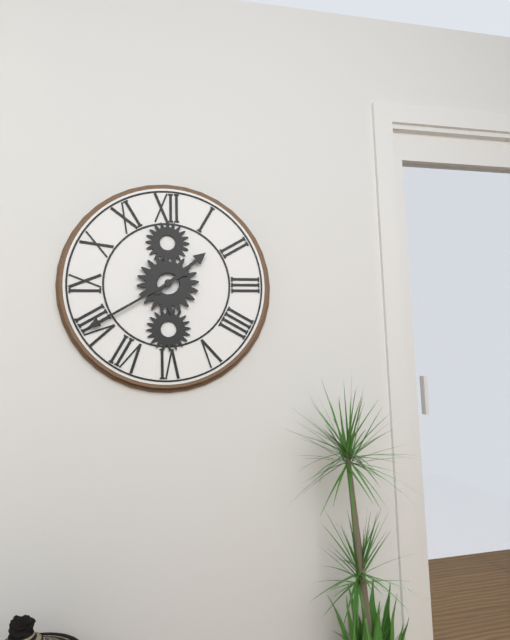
1:40
